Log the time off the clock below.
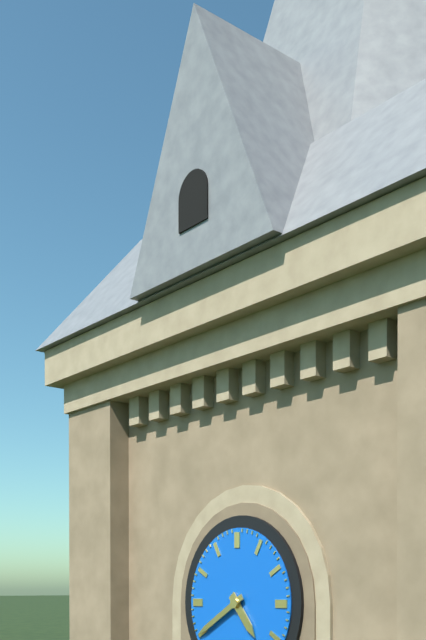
4:40
